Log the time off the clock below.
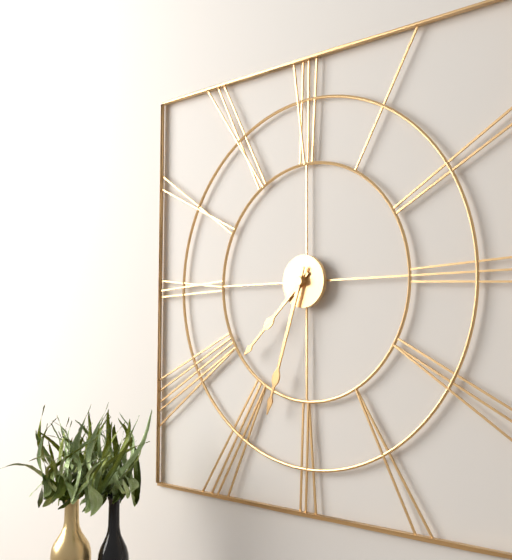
7:33
